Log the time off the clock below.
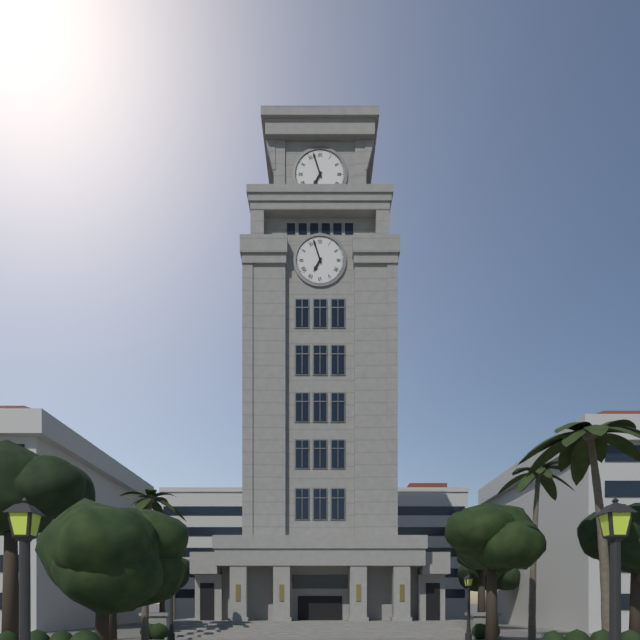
6:57
